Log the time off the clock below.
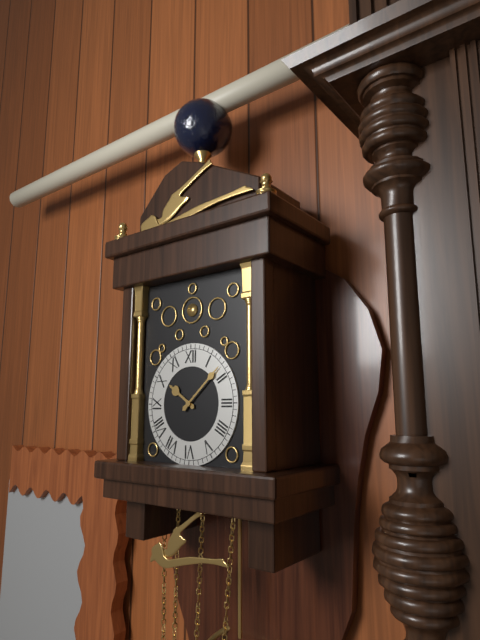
10:08
